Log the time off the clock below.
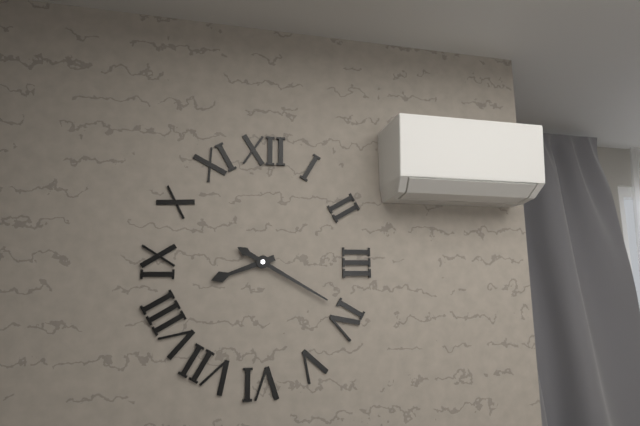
8:20
